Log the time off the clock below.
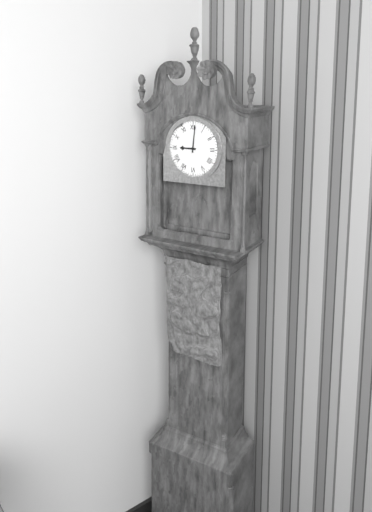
9:01
